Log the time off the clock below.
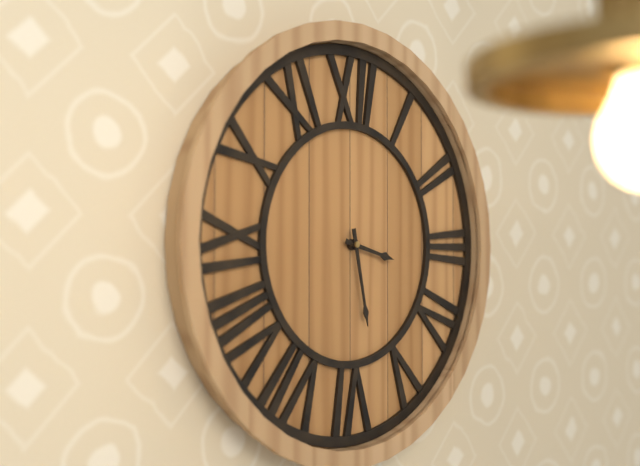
3:28
